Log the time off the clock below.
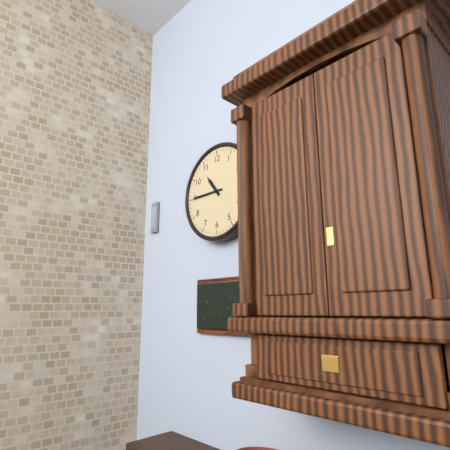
10:45
